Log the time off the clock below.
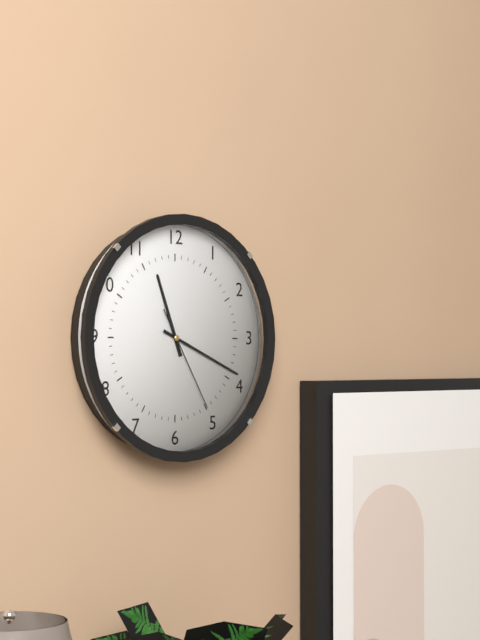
11:19:25
